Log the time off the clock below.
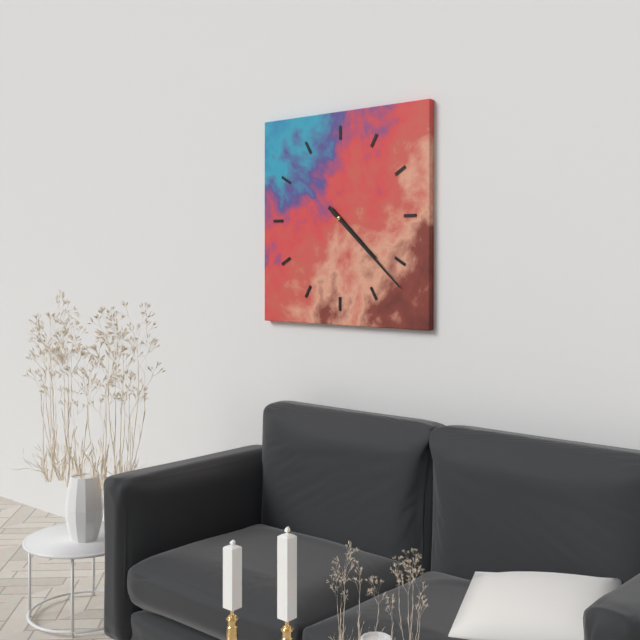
4:22
